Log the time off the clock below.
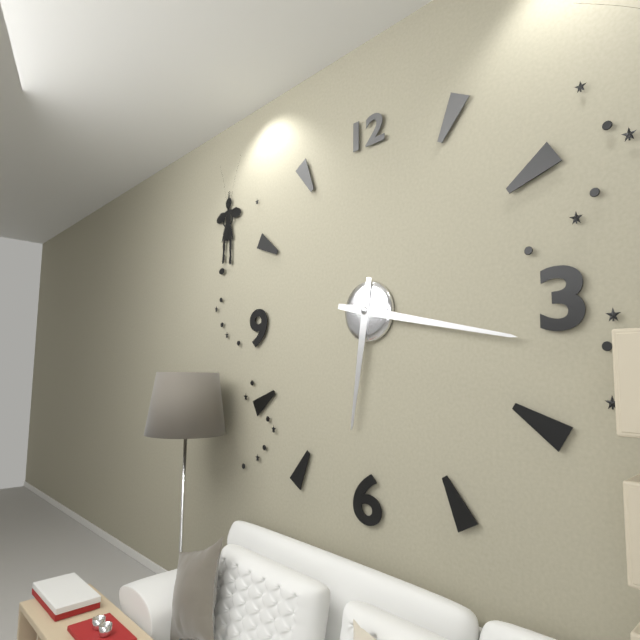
6:17
